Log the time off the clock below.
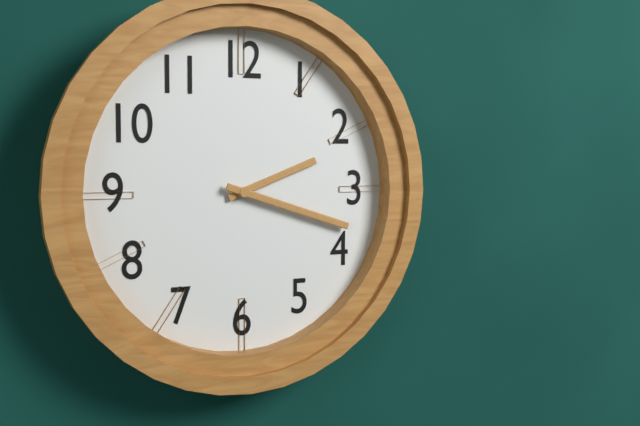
2:18
